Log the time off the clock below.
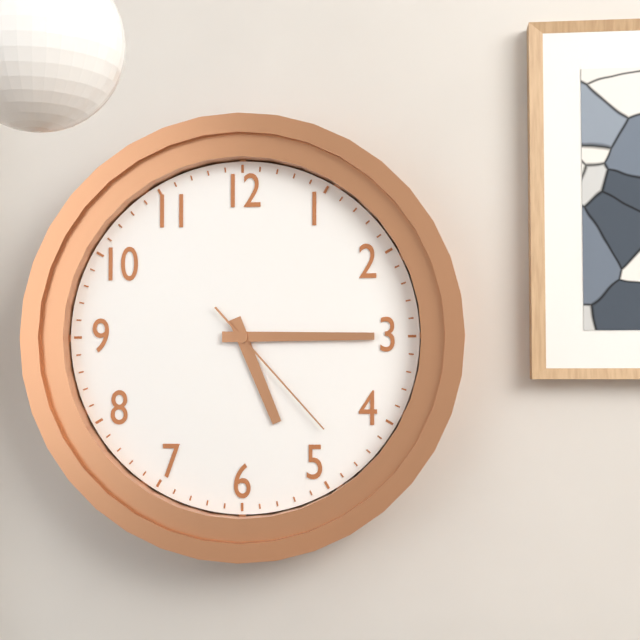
5:15:23
